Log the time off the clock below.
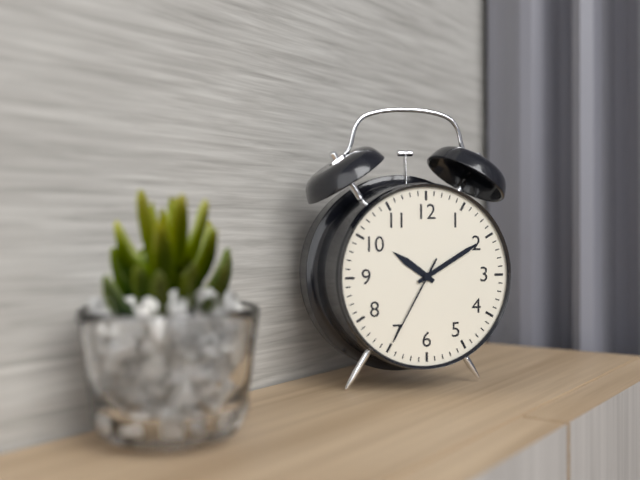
10:10:35
